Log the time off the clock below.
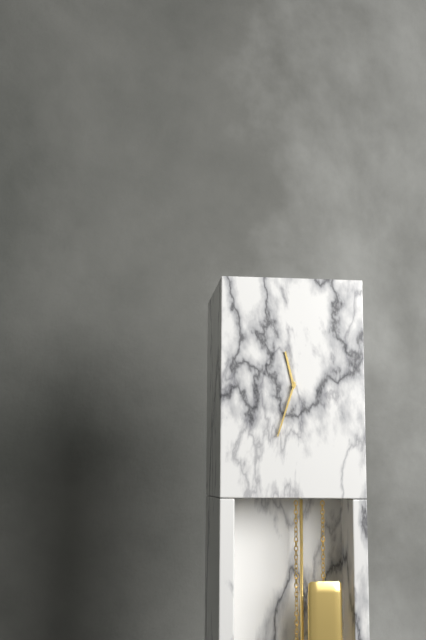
11:33
